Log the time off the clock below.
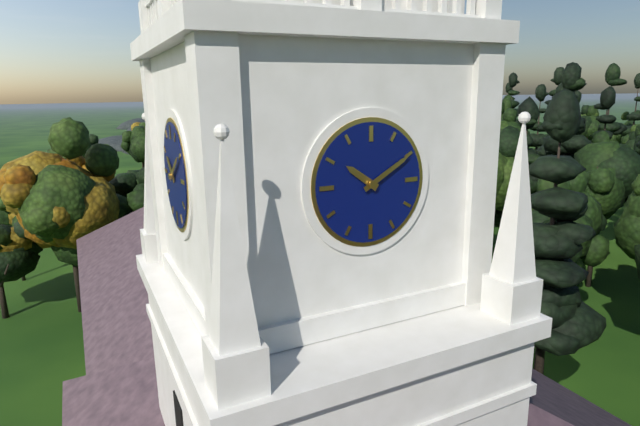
10:10
